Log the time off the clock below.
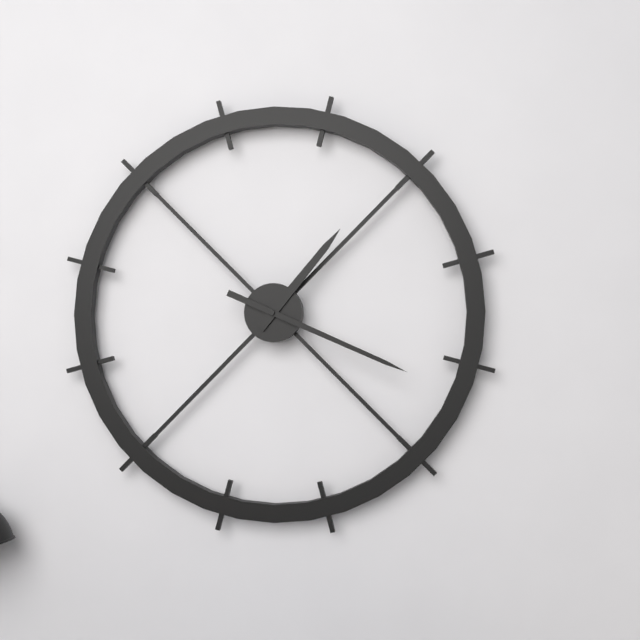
1:19
